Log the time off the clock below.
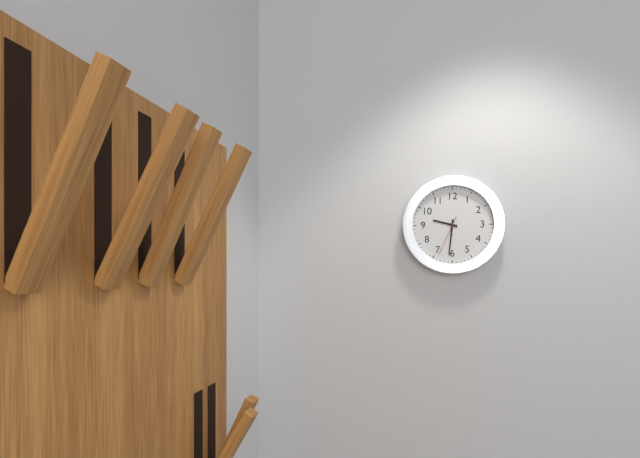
9:31
